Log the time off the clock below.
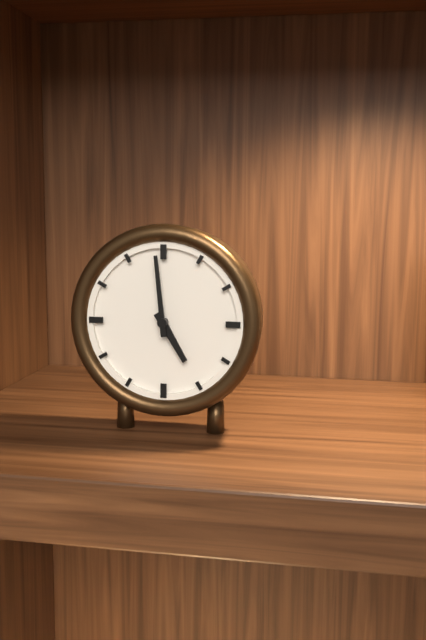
4:59
